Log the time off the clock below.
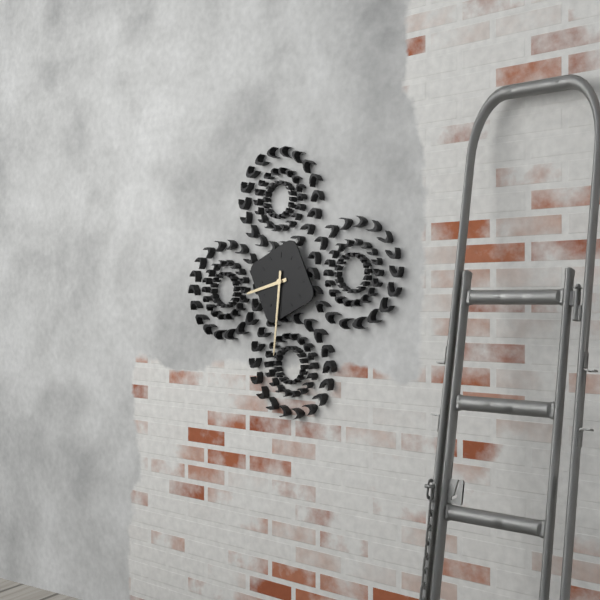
8:31
